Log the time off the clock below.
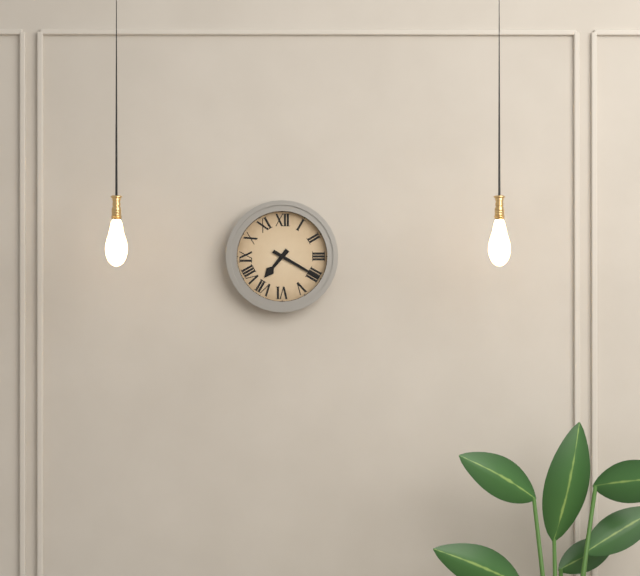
7:20
